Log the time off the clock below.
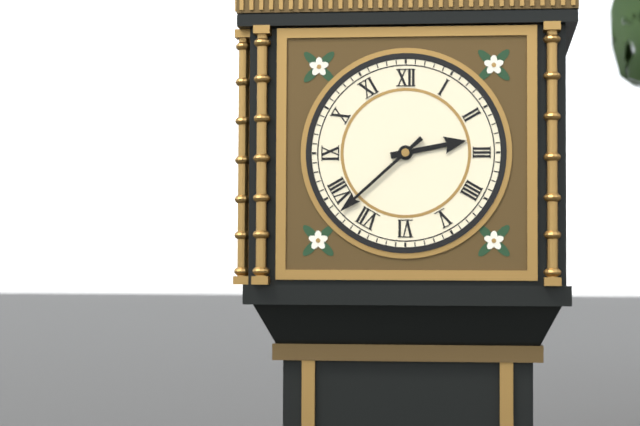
2:38
